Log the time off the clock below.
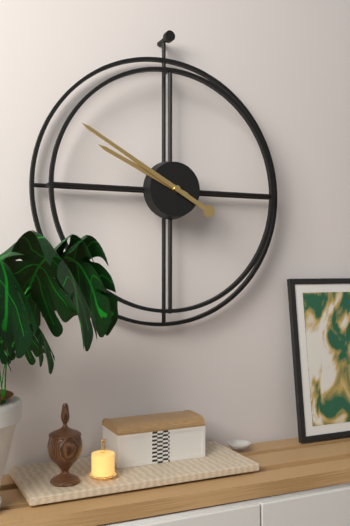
9:50
